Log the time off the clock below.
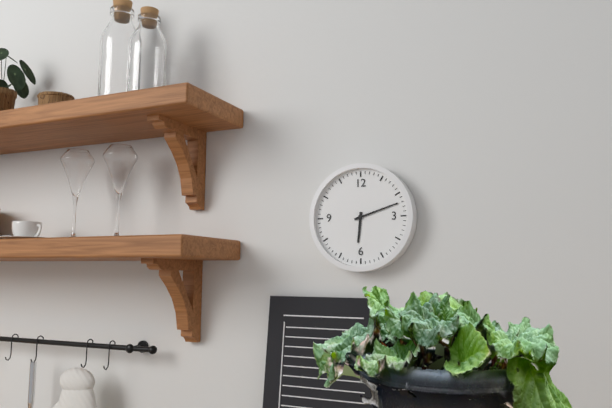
6:12
